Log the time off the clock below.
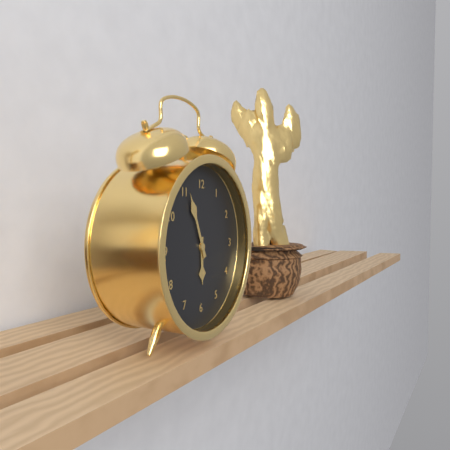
5:56
